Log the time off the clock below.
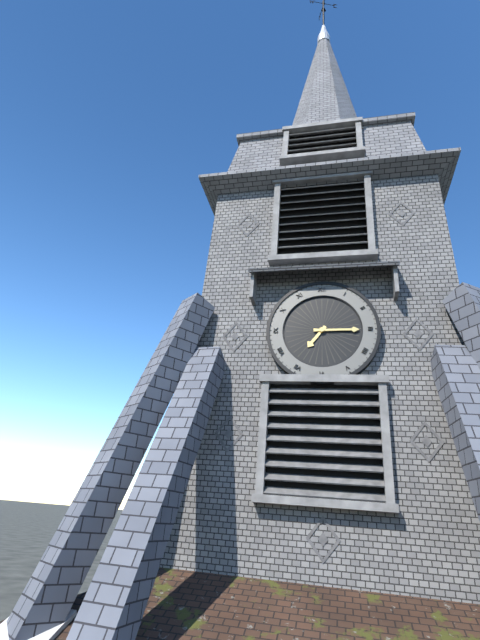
7:15
